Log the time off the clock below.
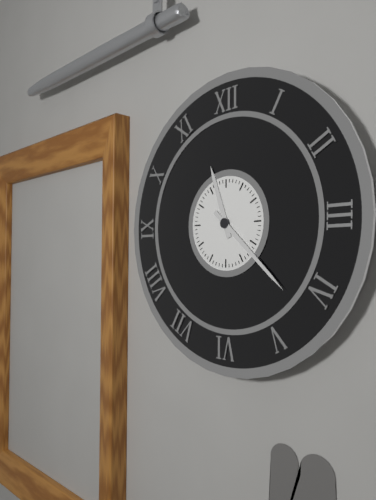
11:22
